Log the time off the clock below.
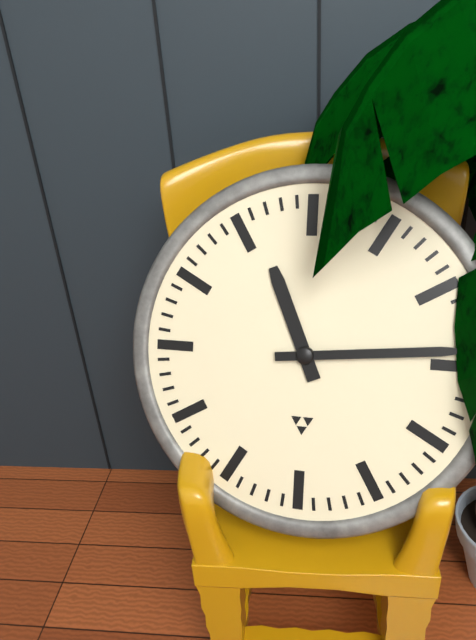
11:14
